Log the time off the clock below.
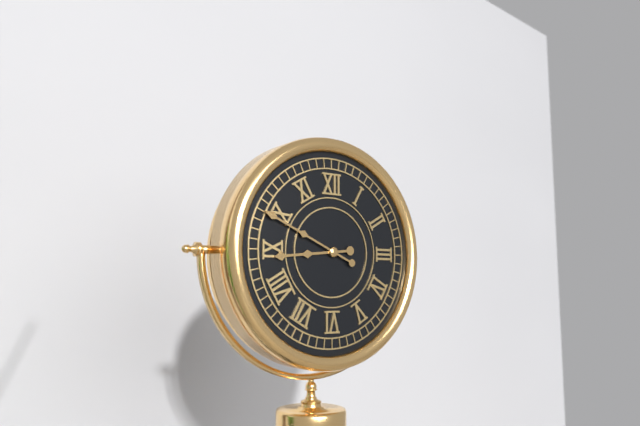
8:49
